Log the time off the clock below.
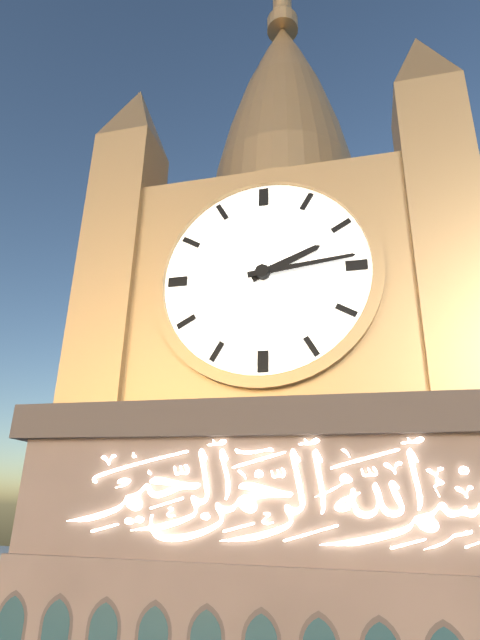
2:14
